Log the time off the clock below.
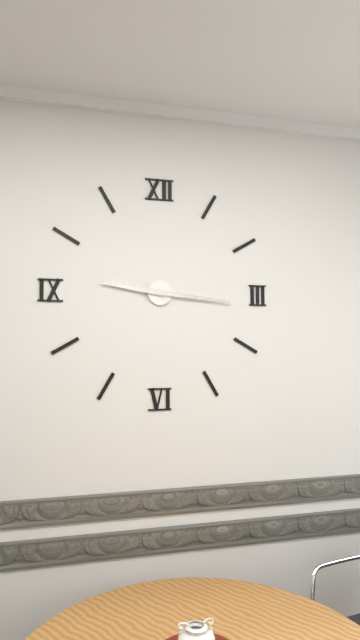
9:16
